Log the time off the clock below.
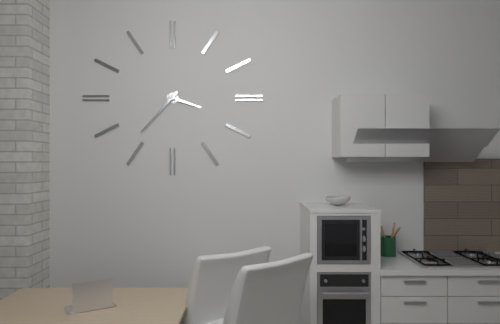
3:37
